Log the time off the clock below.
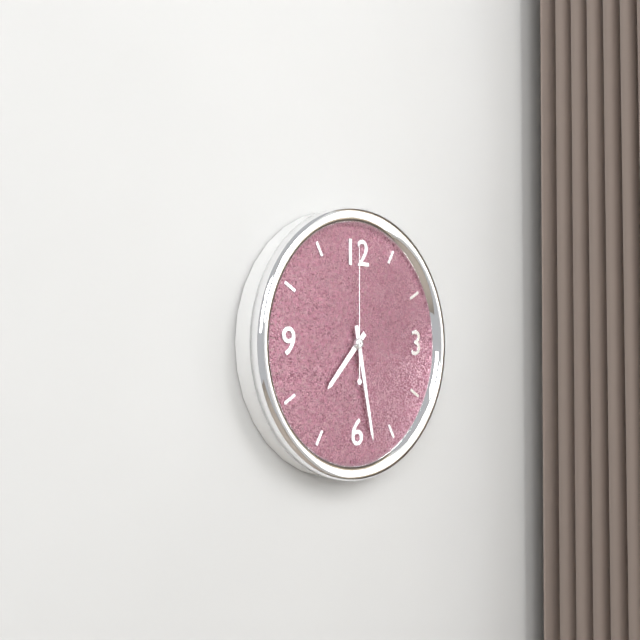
7:28:00
